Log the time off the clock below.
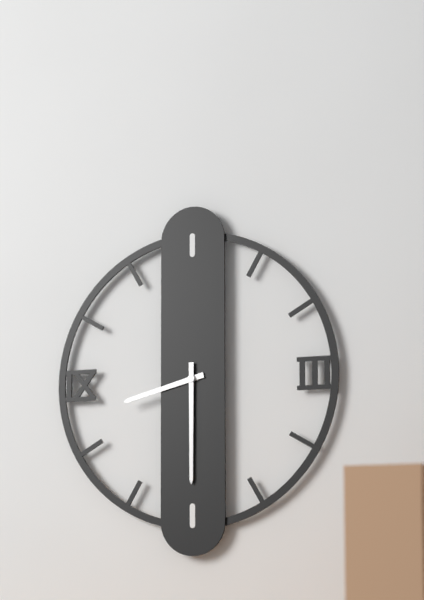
8:30
